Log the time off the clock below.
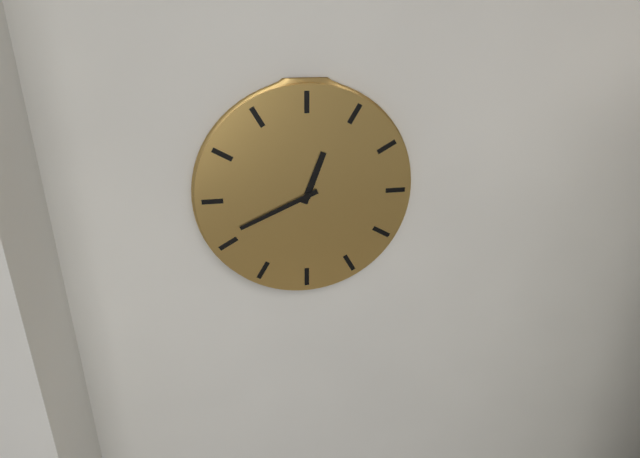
12:41
